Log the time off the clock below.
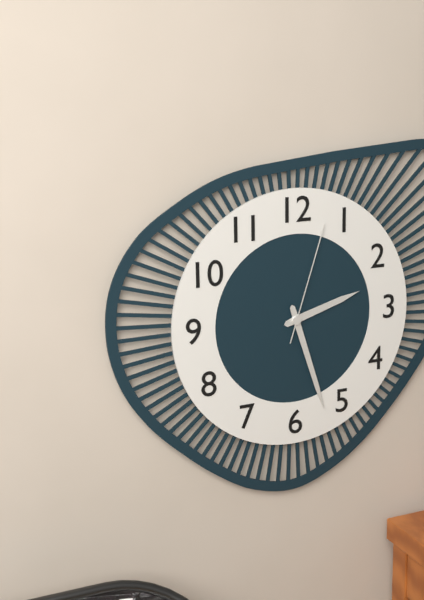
2:27:03
